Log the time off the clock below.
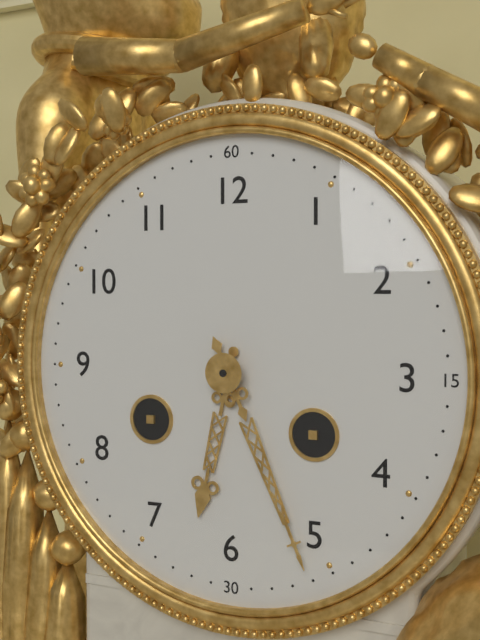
6:26
